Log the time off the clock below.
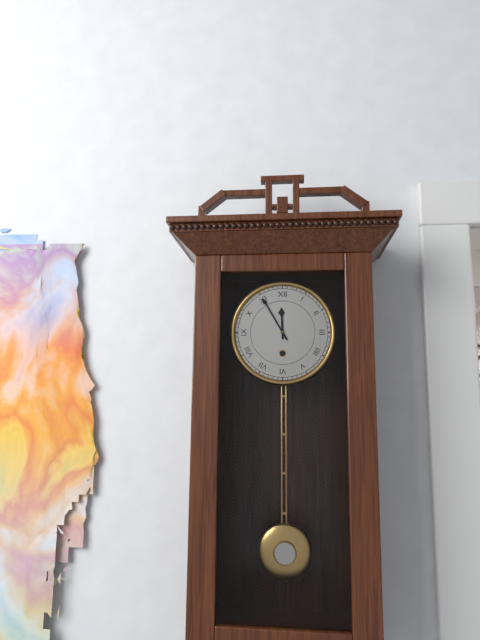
11:55
